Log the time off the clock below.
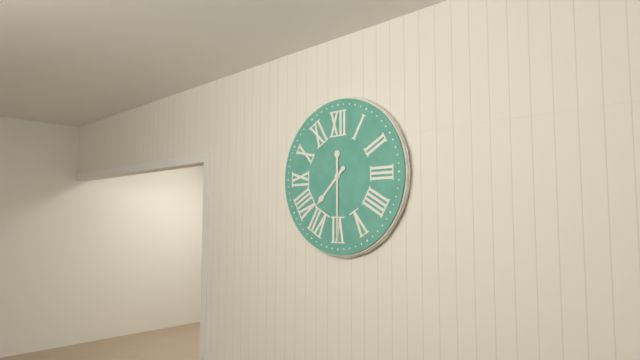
7:30
